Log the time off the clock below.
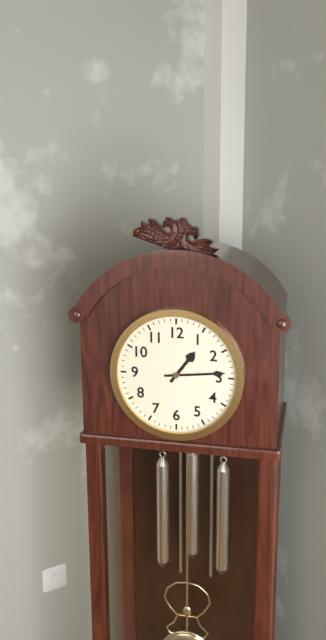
1:14
